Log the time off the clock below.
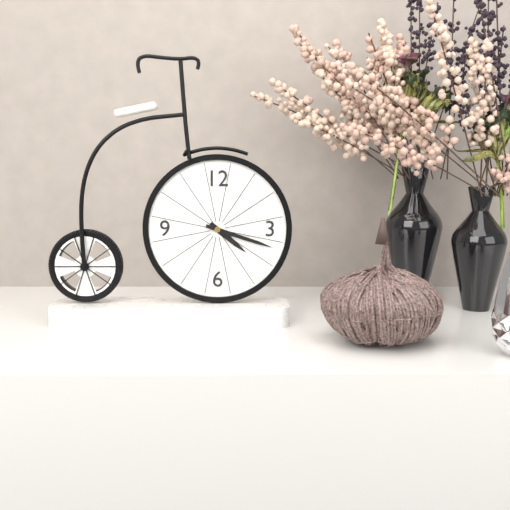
4:18
